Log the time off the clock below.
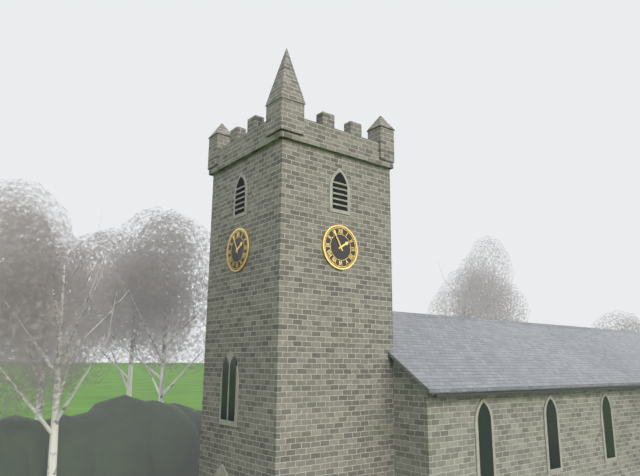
1:55
